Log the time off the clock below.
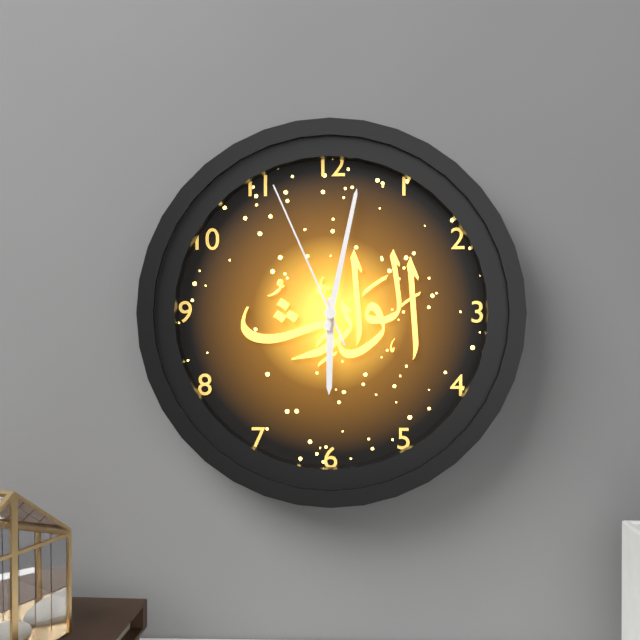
6:02:56
